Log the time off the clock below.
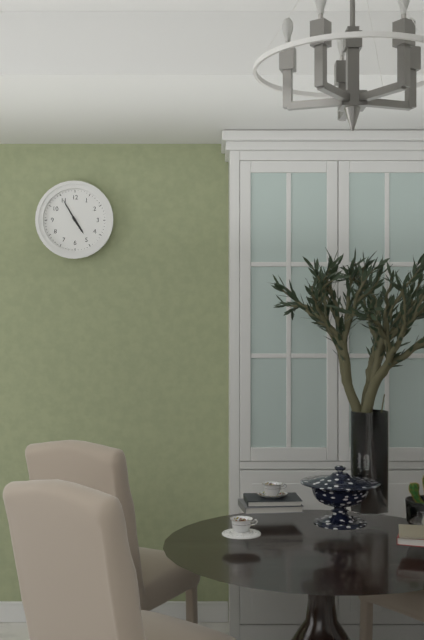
4:55
